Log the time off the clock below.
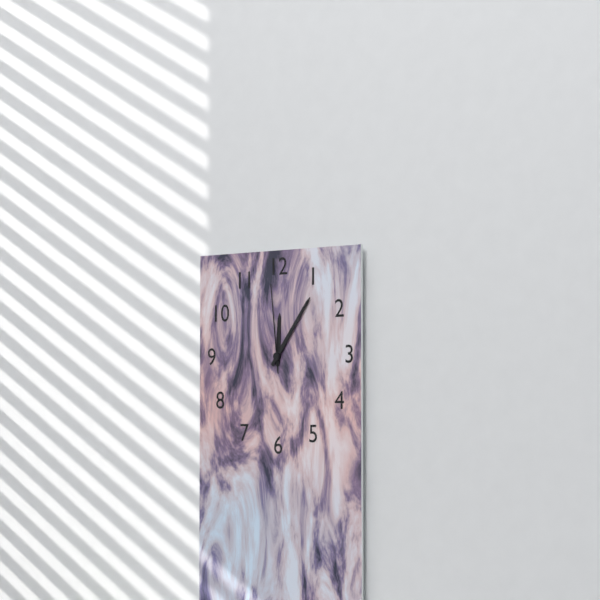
12:06:59
